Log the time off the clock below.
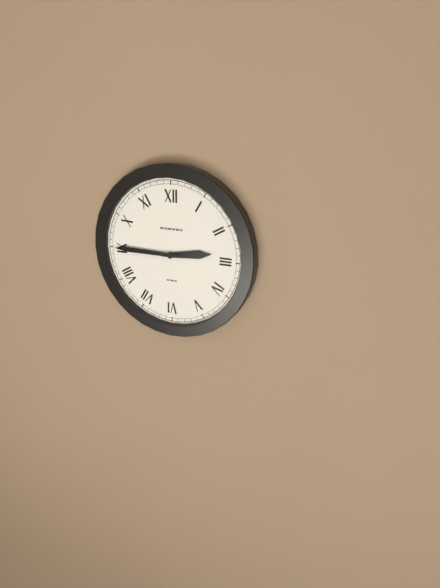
2:45
